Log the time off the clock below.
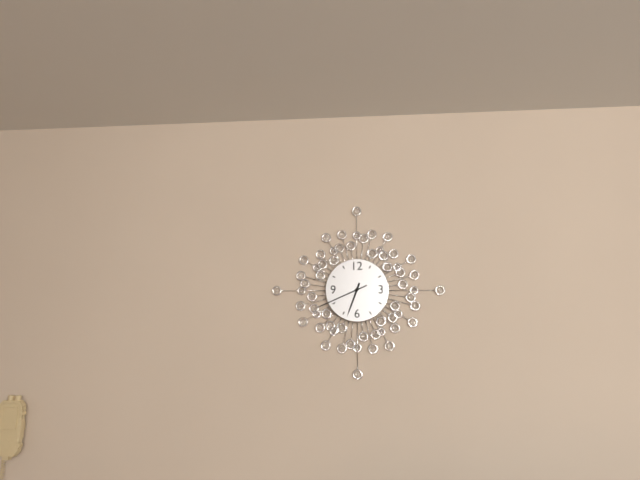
6:41
